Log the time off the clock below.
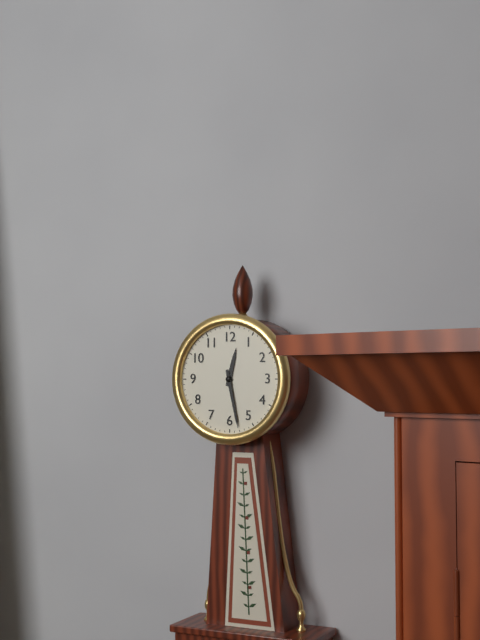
12:28
